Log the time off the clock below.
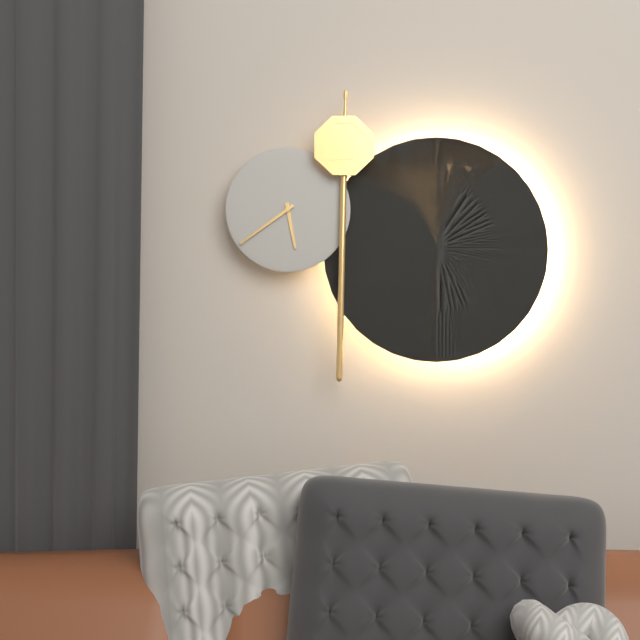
5:39
